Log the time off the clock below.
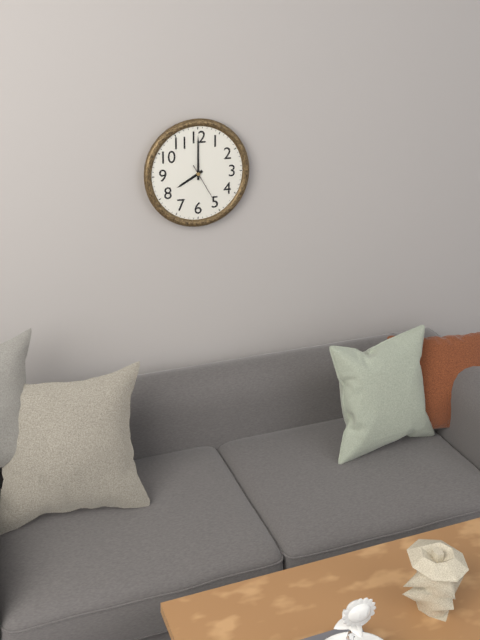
8:00
